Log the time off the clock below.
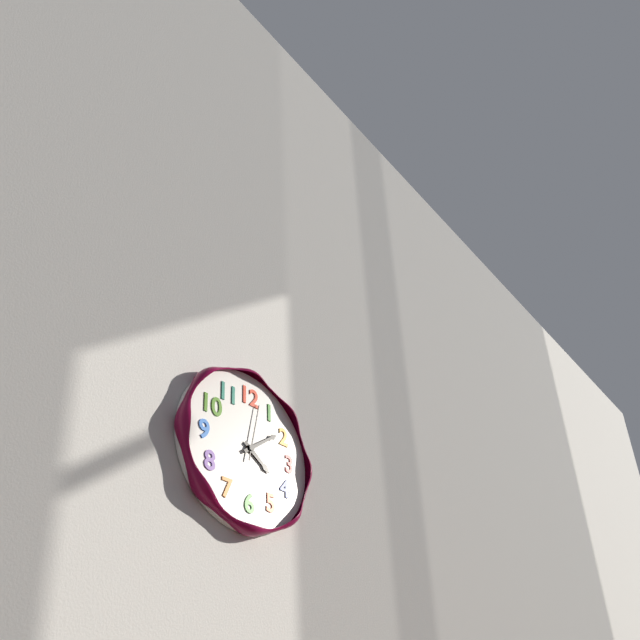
4:09:02
